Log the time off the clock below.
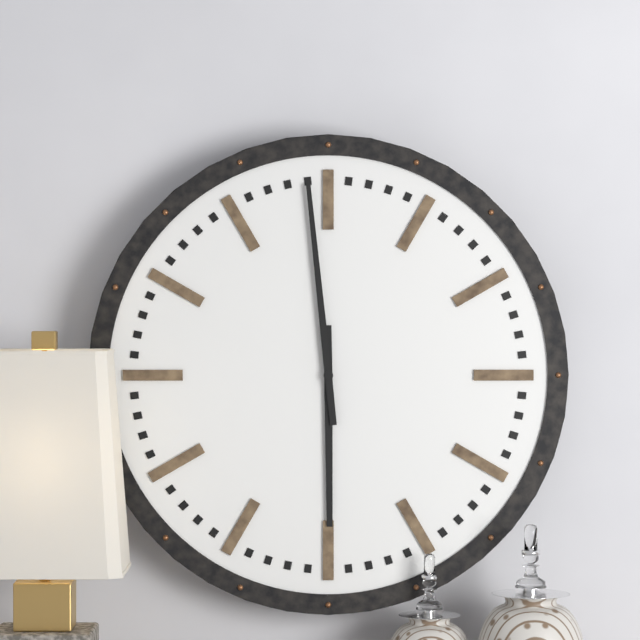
5:59
